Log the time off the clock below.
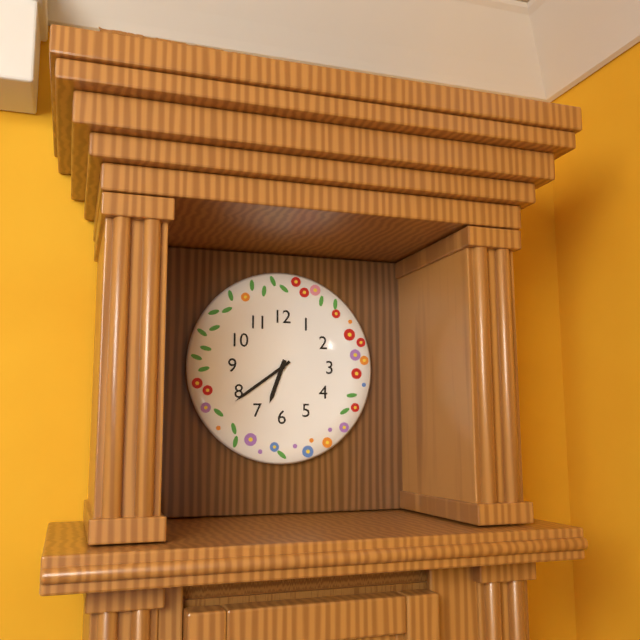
6:39
